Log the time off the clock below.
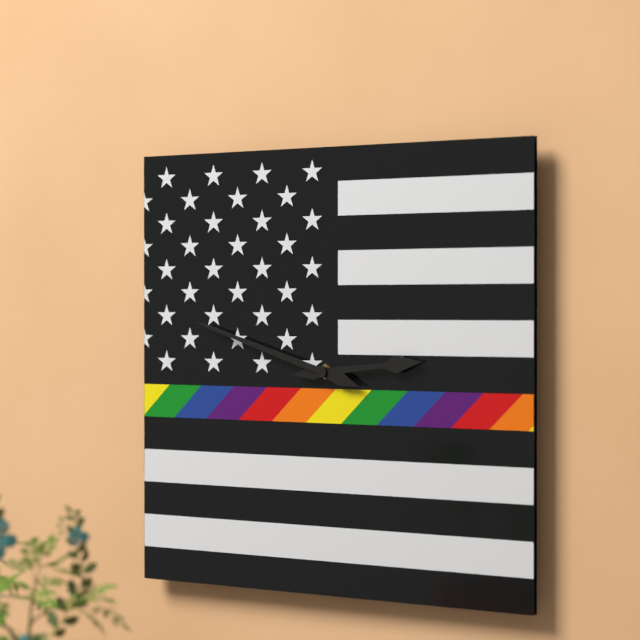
2:48
